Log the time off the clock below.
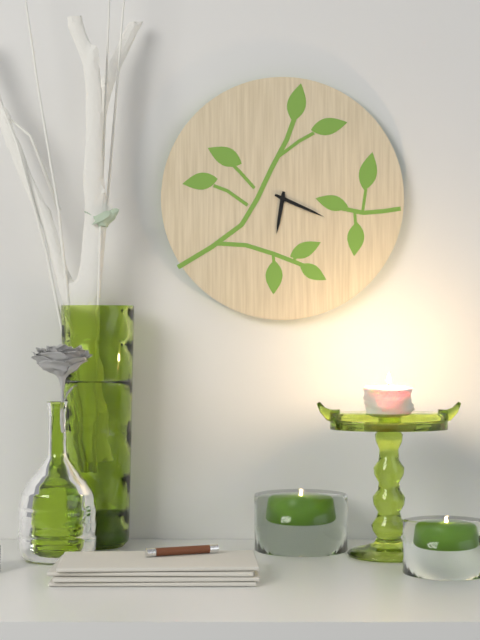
6:19
